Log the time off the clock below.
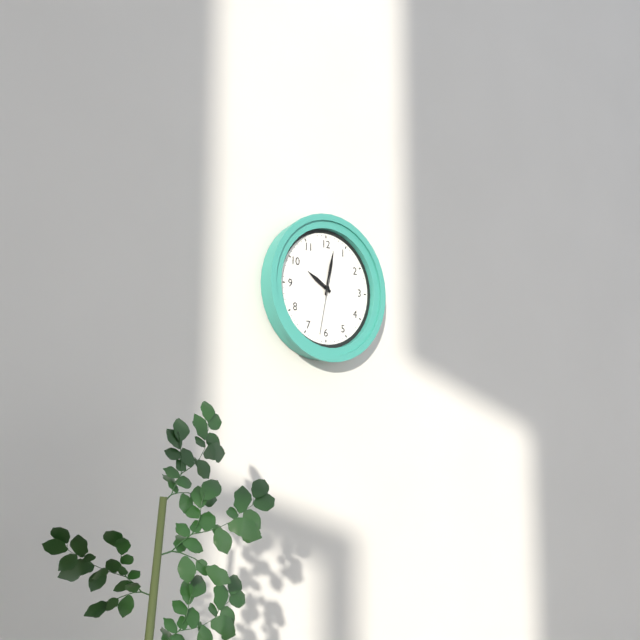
10:02:32
